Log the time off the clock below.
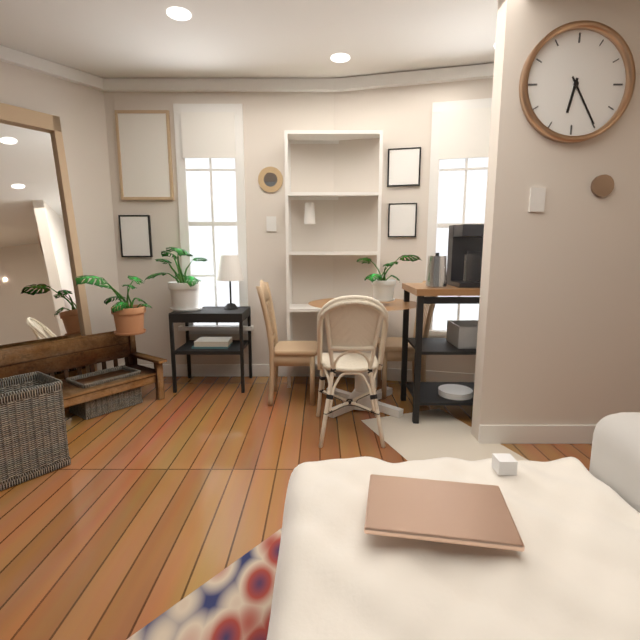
6:25
